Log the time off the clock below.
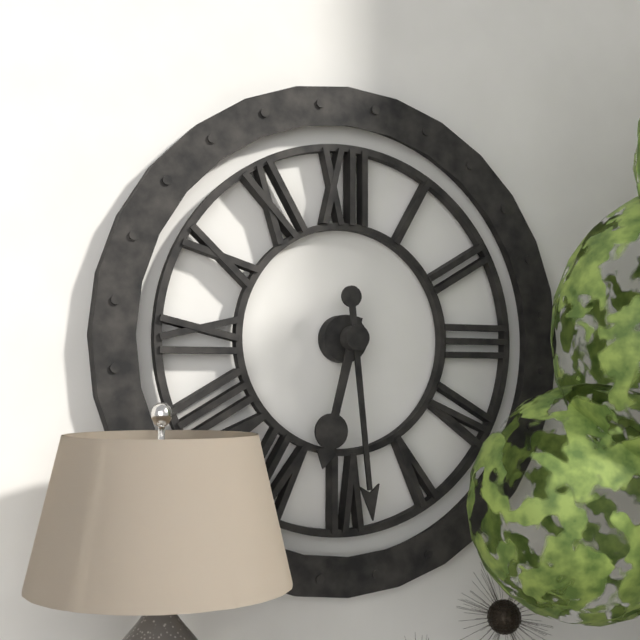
6:29
